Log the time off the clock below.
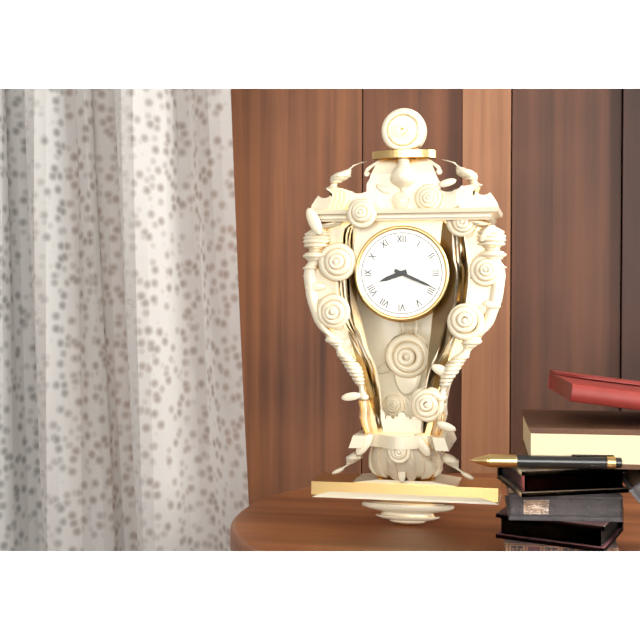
8:19
